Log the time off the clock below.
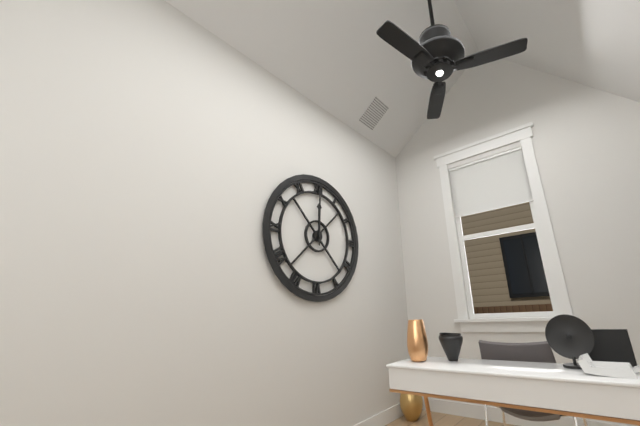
12:00
